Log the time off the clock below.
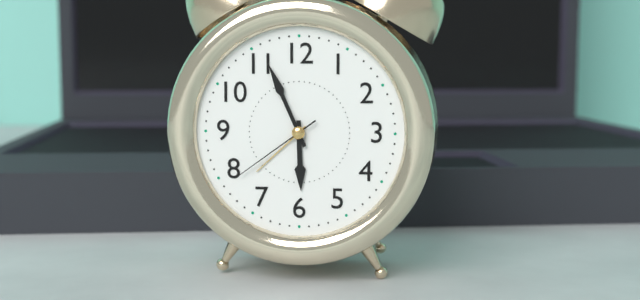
5:56:39
